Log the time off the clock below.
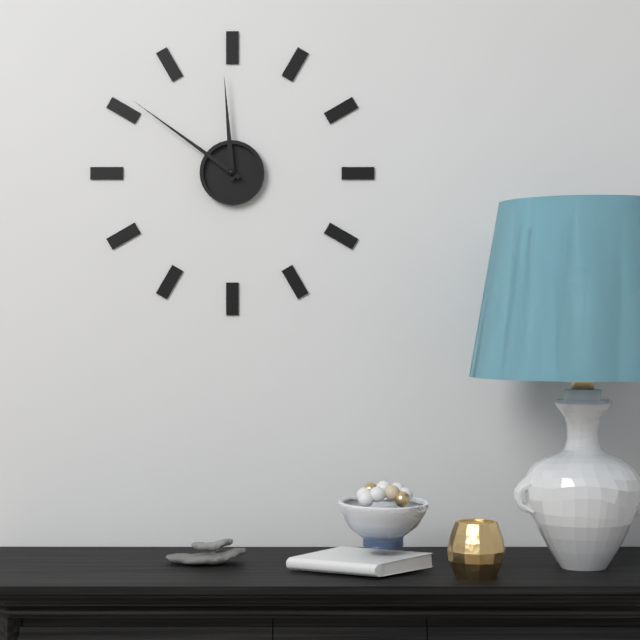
11:51
